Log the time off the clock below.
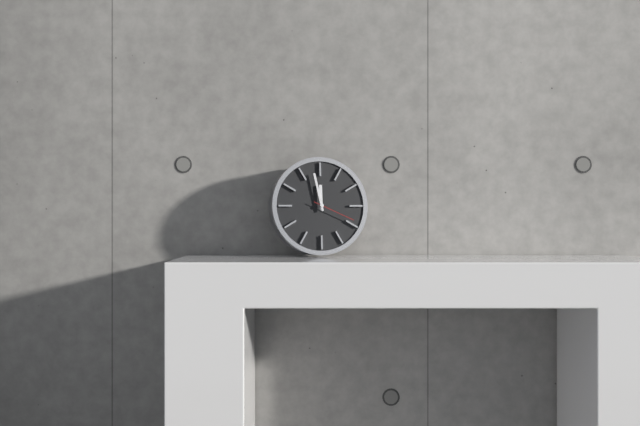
11:58
